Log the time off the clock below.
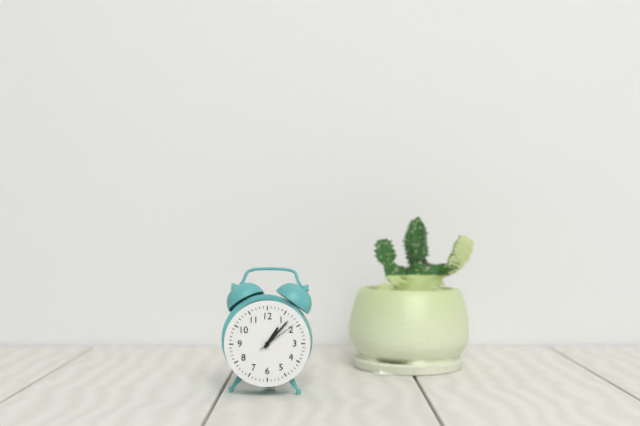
1:07
